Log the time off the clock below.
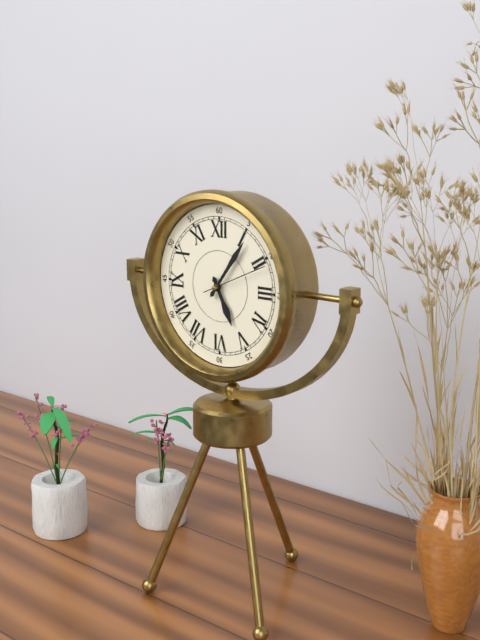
5:06
